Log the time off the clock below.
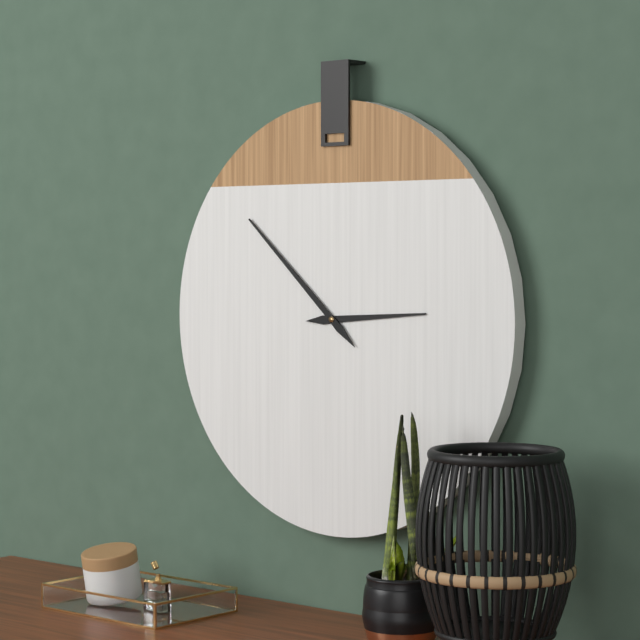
2:52
